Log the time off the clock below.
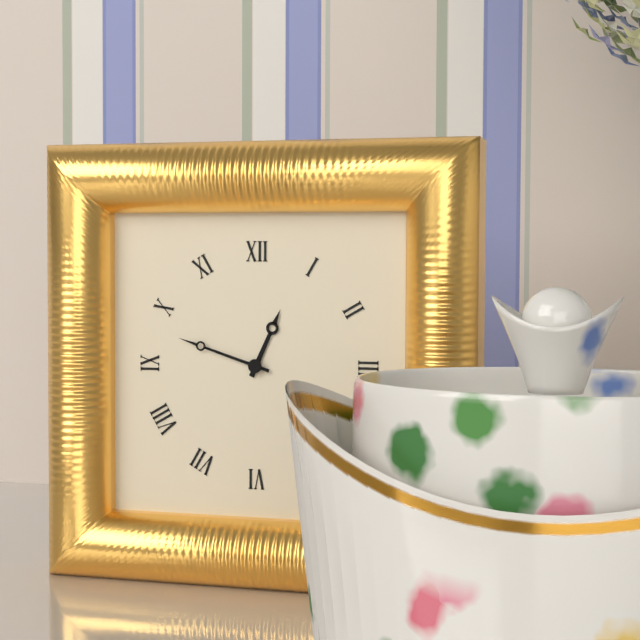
12:48
